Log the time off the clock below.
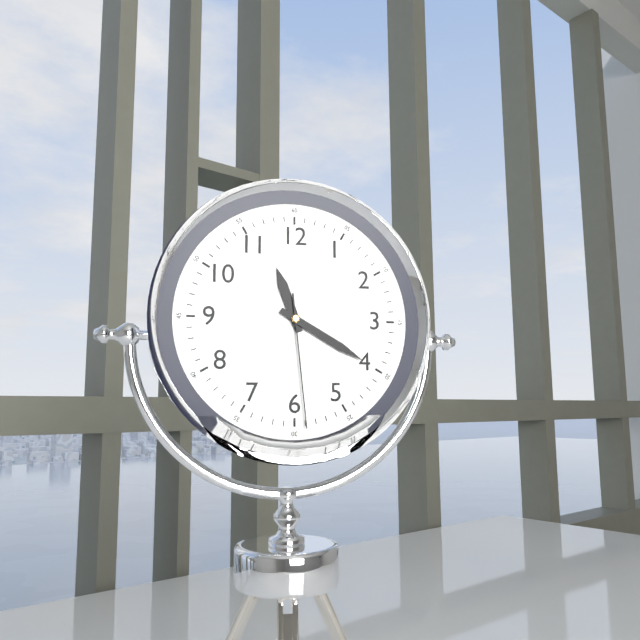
11:20:29
